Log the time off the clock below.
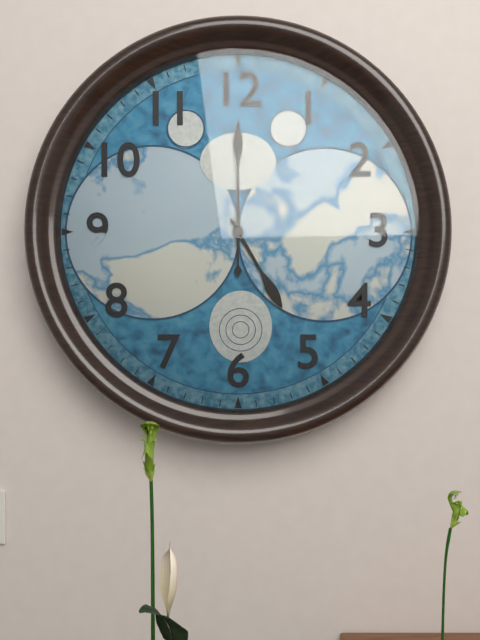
5:00
